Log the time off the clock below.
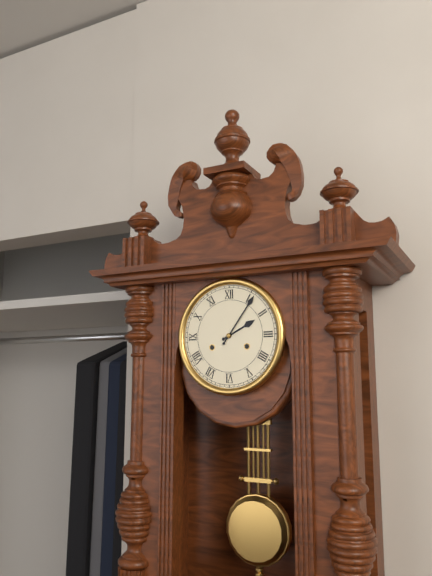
2:06
